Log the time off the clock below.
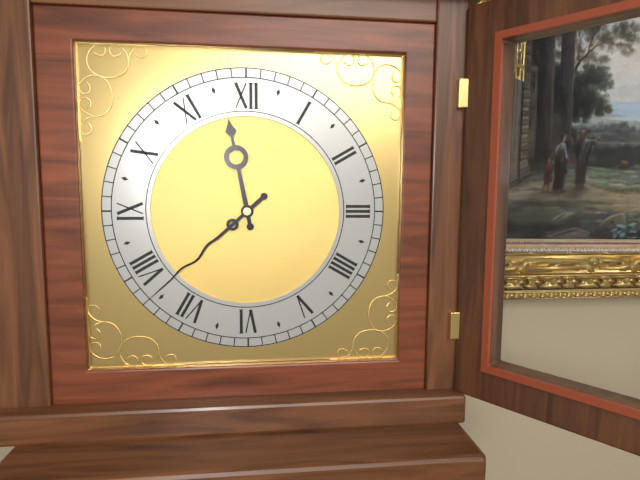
11:38
